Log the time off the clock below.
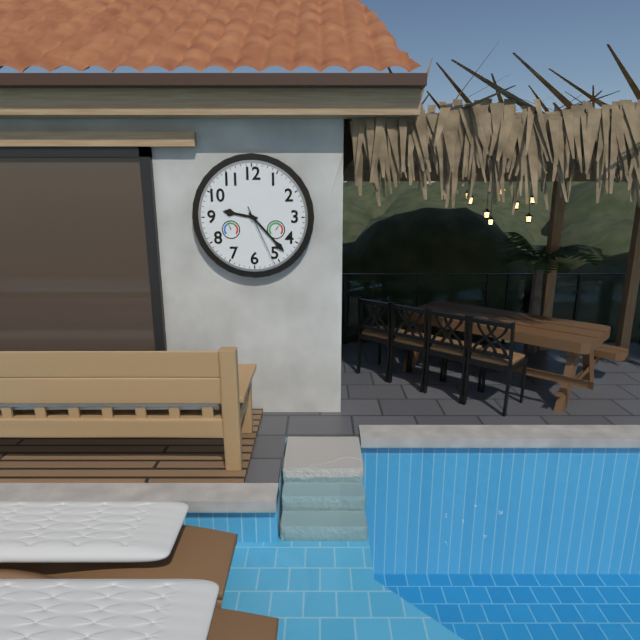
9:23:26
